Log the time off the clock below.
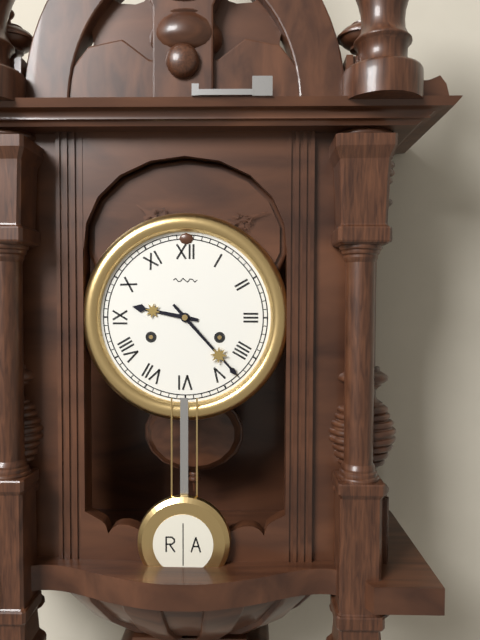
9:23
